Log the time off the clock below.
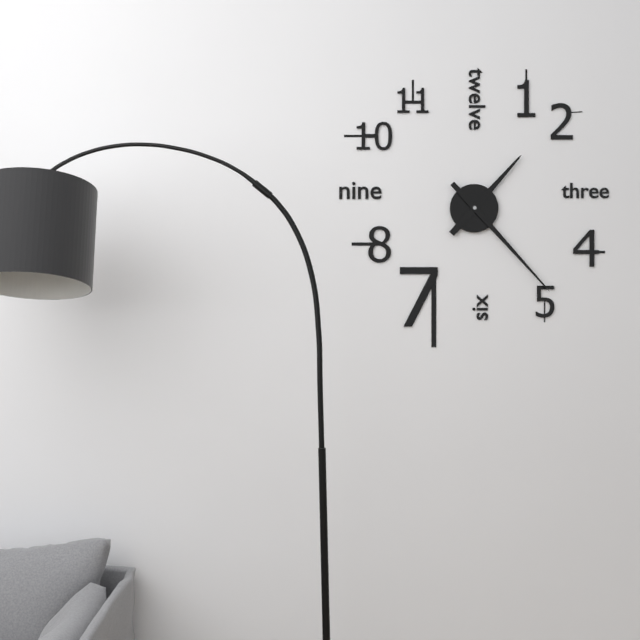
1:23
